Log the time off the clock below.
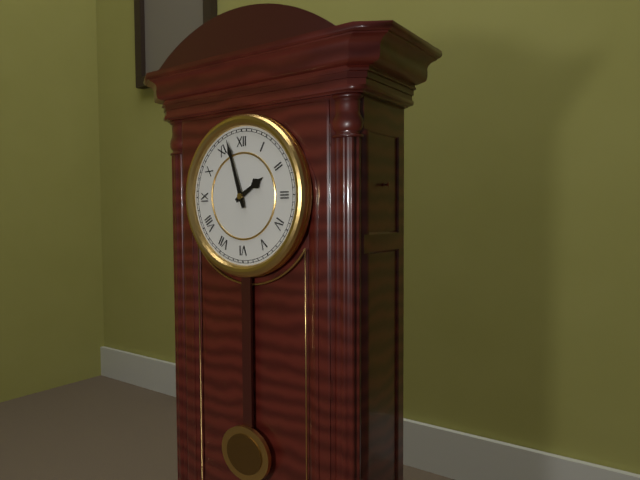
1:57
